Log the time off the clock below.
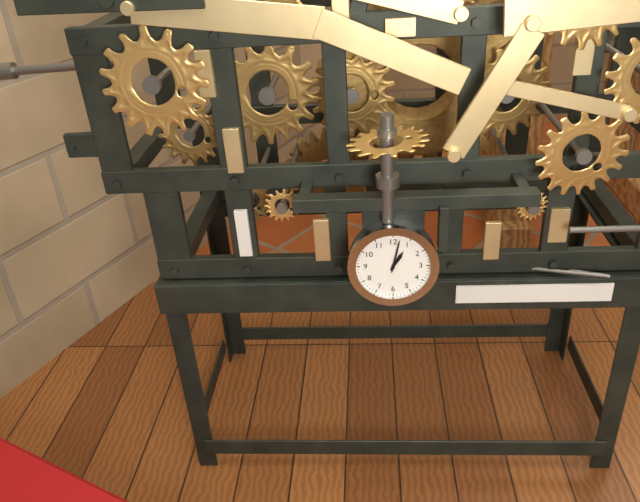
1:02
